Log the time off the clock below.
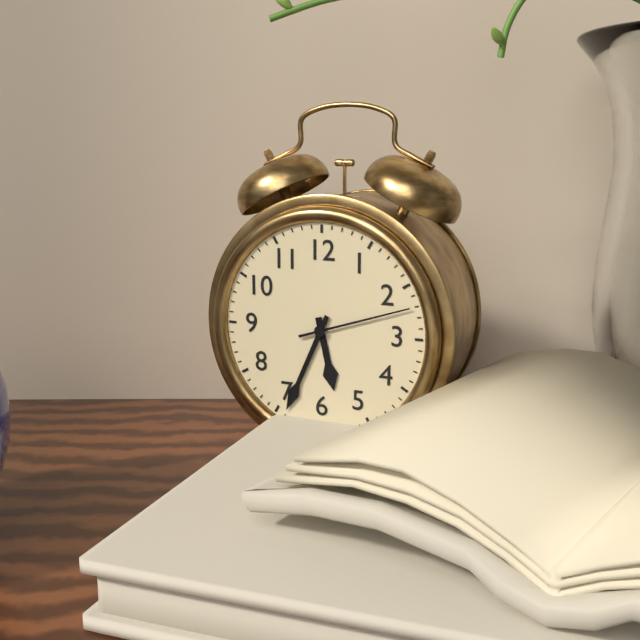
5:34:12
